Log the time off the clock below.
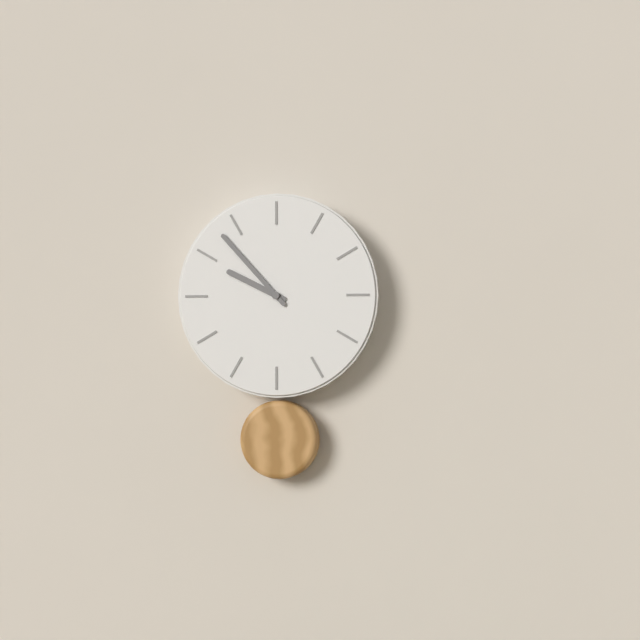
9:53
